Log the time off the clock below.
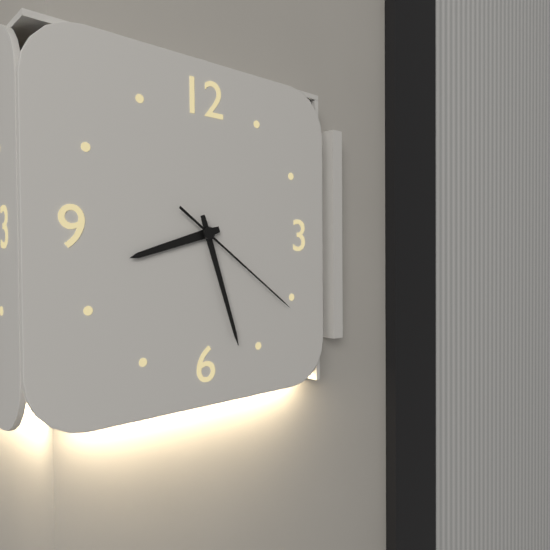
8:27:21
